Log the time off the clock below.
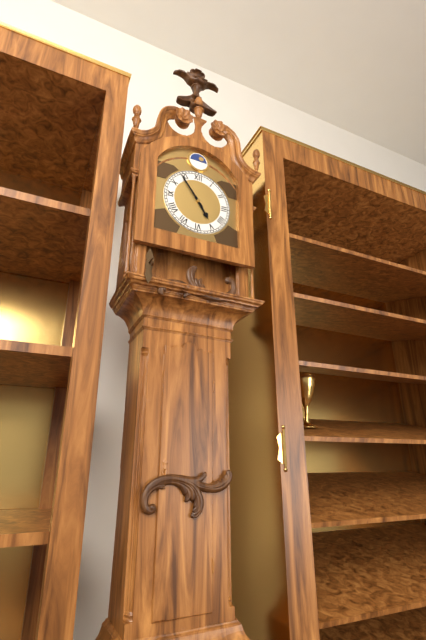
4:54
